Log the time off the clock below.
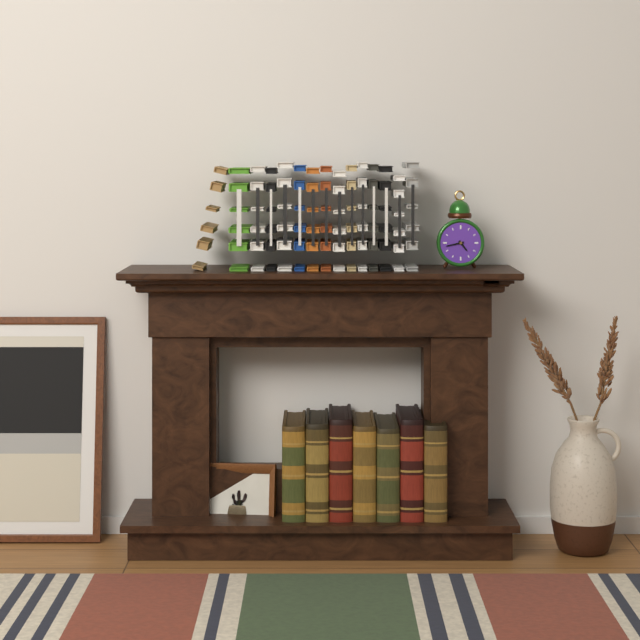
4:43
